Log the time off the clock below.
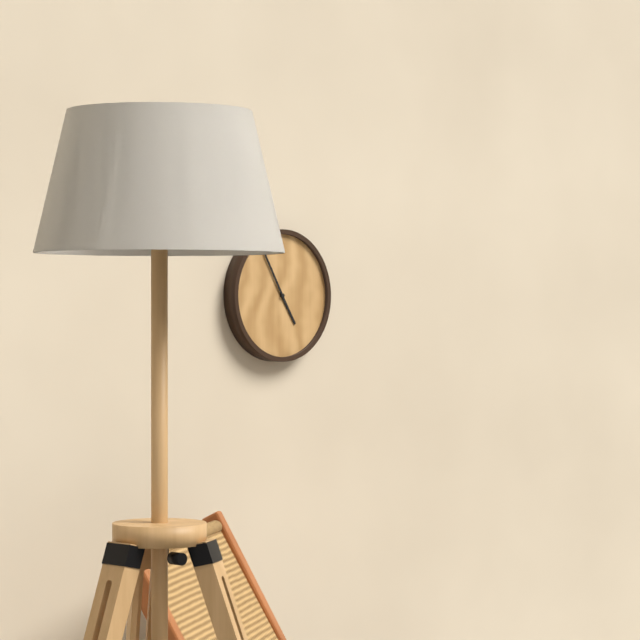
4:55
